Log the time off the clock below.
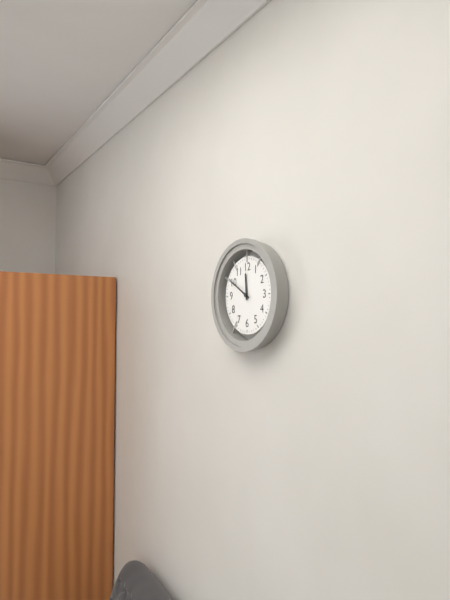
11:50
